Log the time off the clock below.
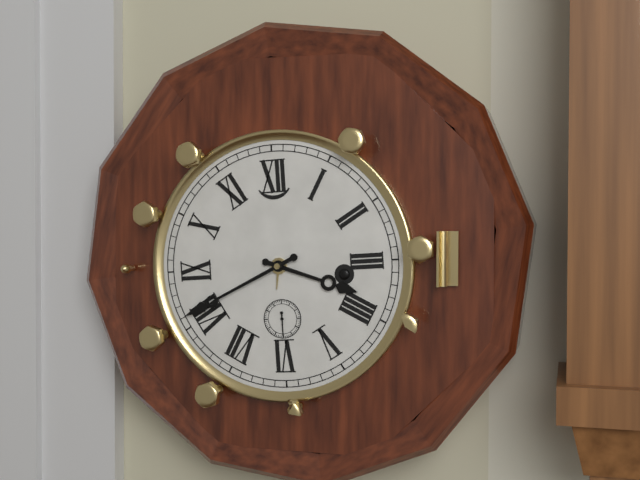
3:41
